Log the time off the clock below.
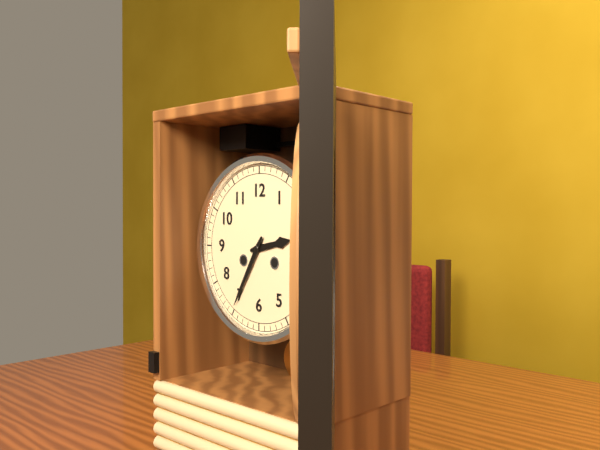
2:35
